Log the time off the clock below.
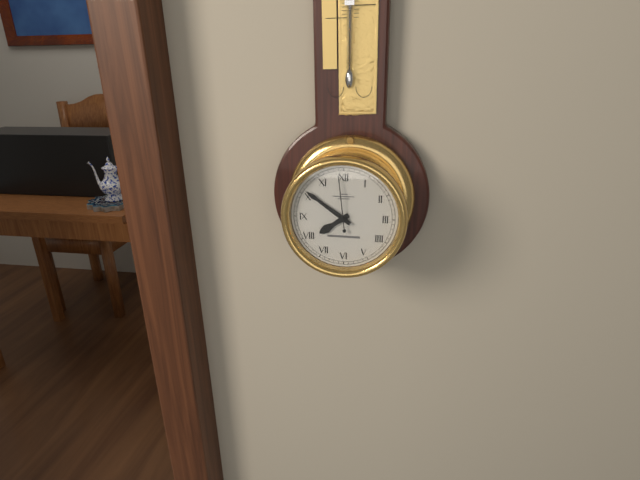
7:51:59
